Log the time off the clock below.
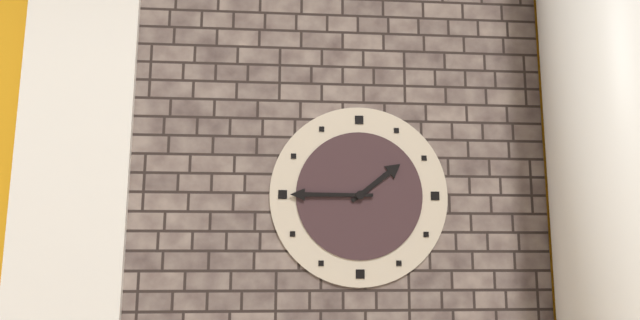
1:45
